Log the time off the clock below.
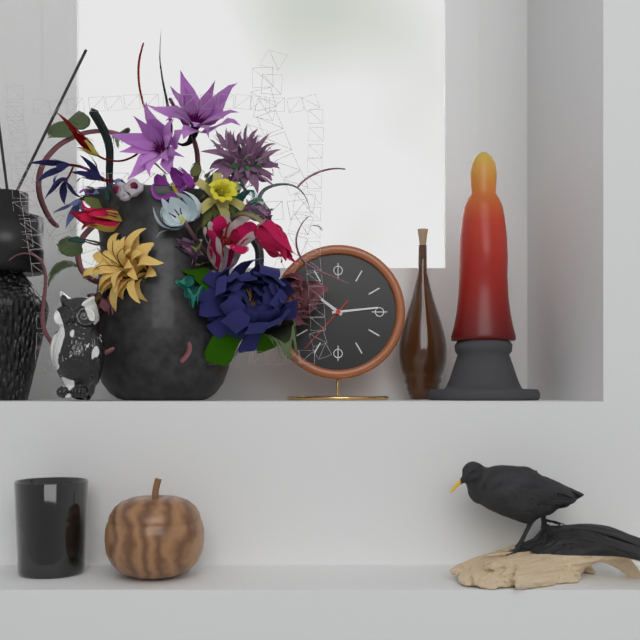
10:14:37
